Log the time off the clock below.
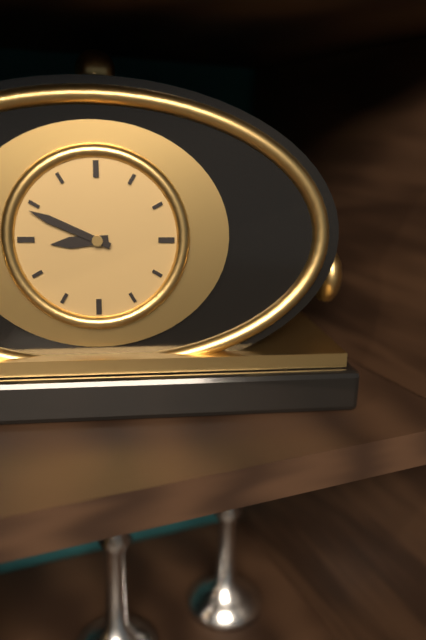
8:49
